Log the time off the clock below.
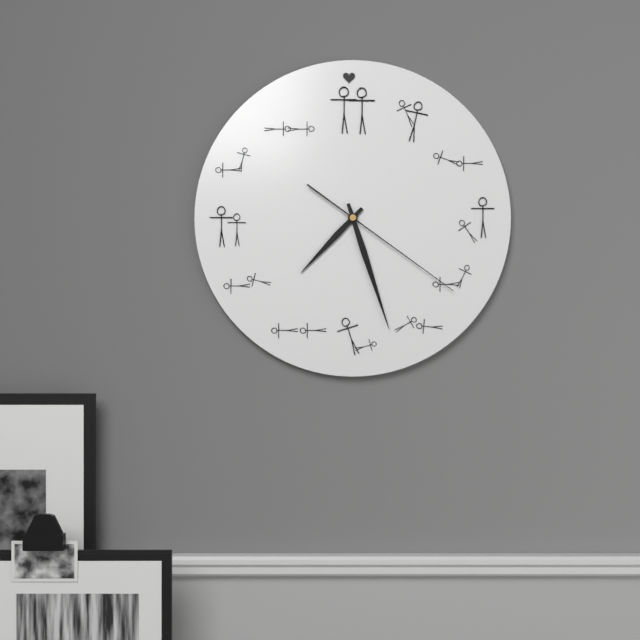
7:27:21
